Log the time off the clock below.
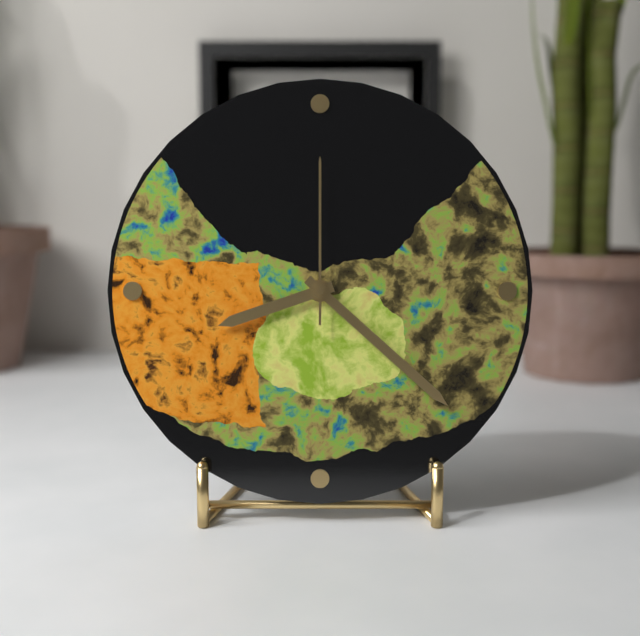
8:22:00
